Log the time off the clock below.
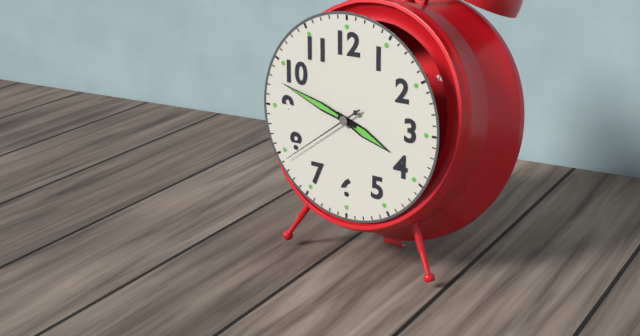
3:48:39
